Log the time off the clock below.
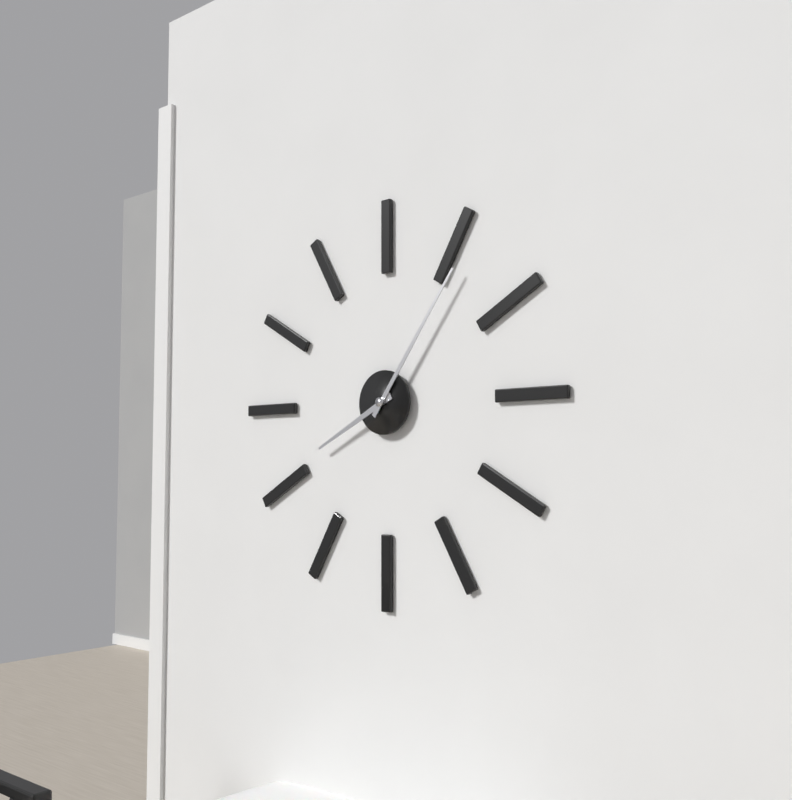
8:06
